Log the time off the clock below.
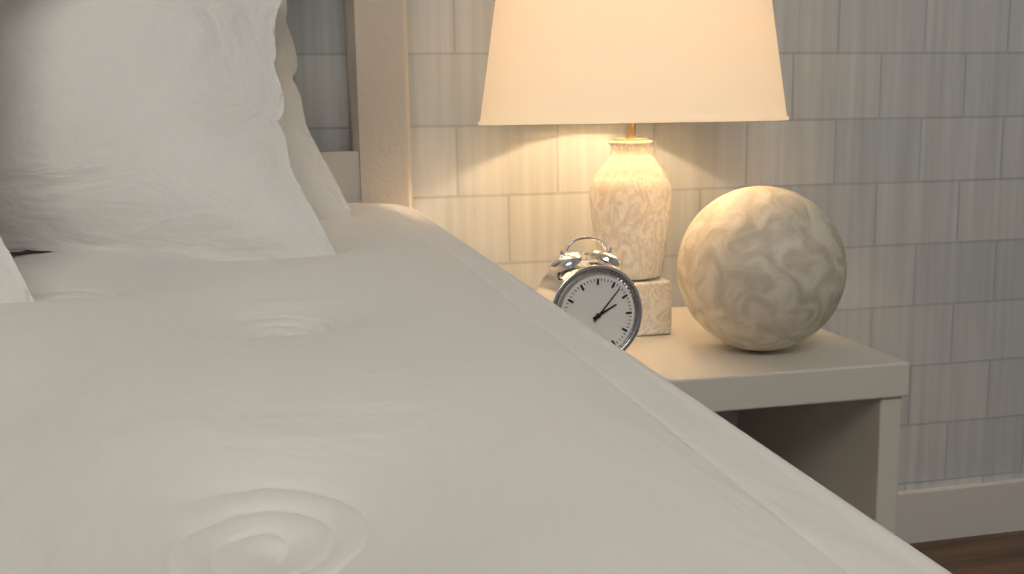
2:07
